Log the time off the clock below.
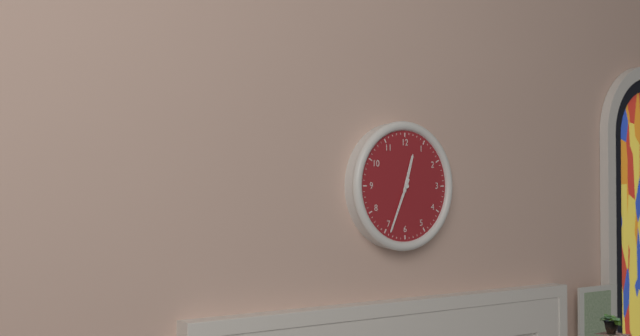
12:34
